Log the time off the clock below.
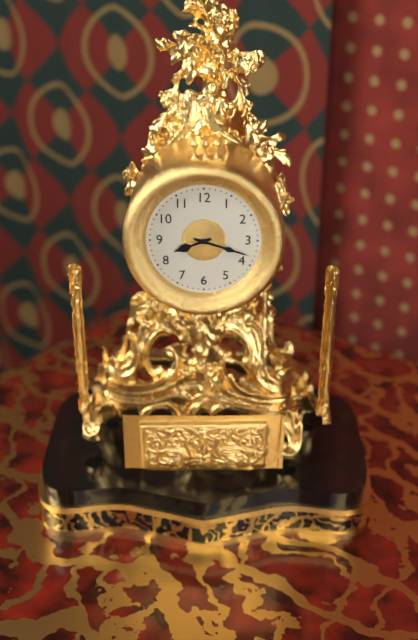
8:18
